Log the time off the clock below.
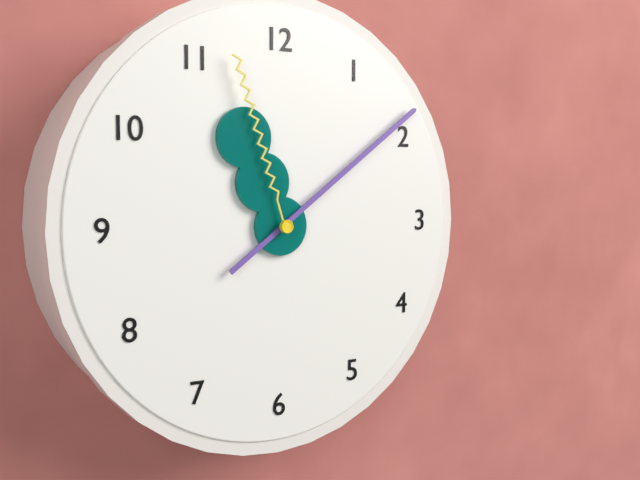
11:09:57
